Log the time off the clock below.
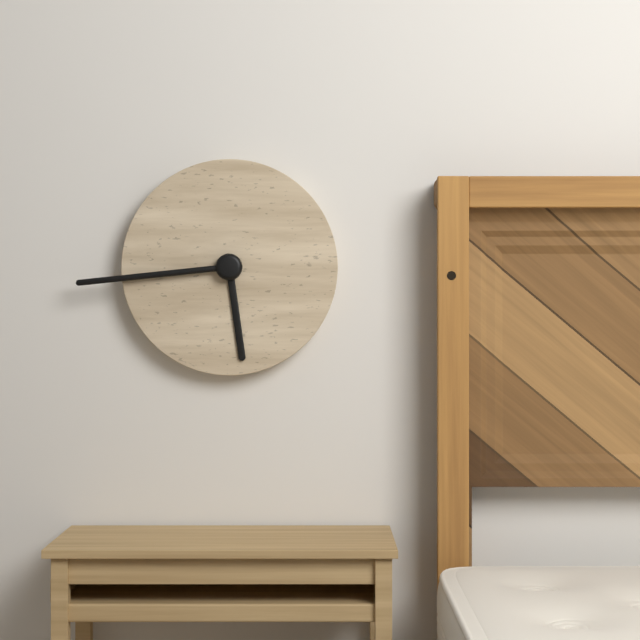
5:44
